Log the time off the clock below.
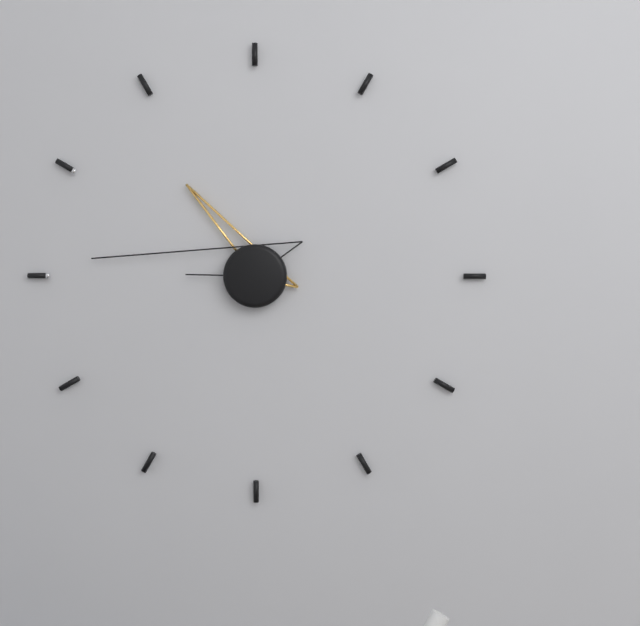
10:46
